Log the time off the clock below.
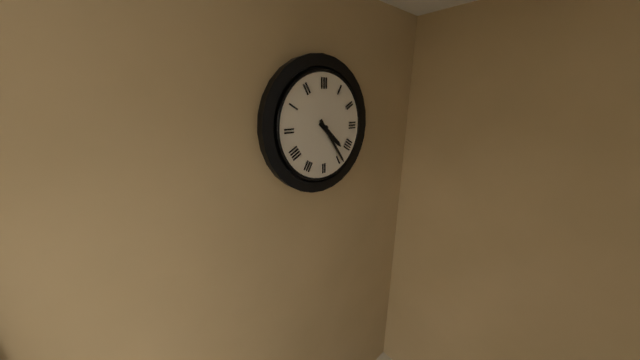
4:24
